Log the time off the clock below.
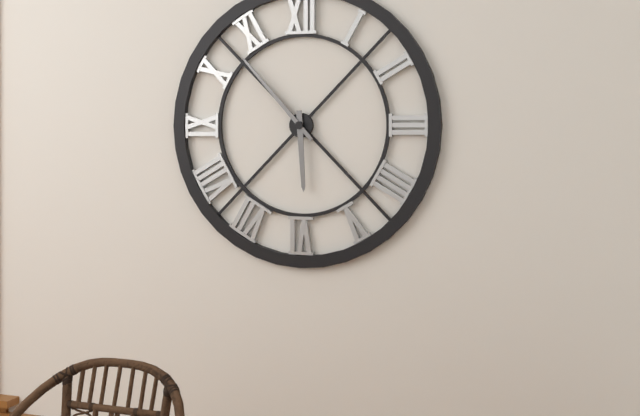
5:53
